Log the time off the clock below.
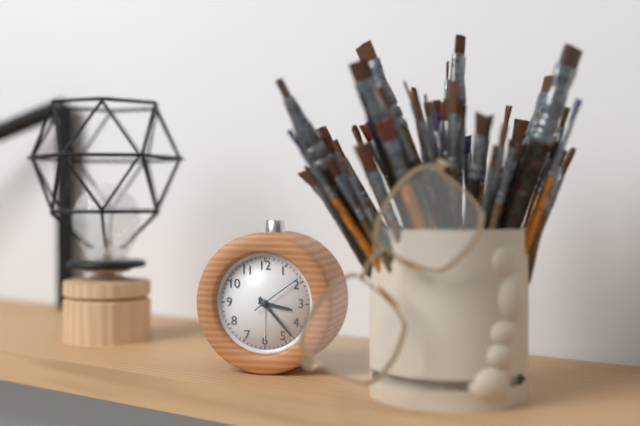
3:23:09
